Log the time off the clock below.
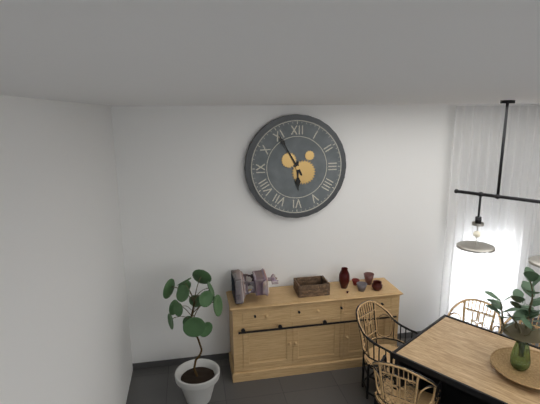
5:55
